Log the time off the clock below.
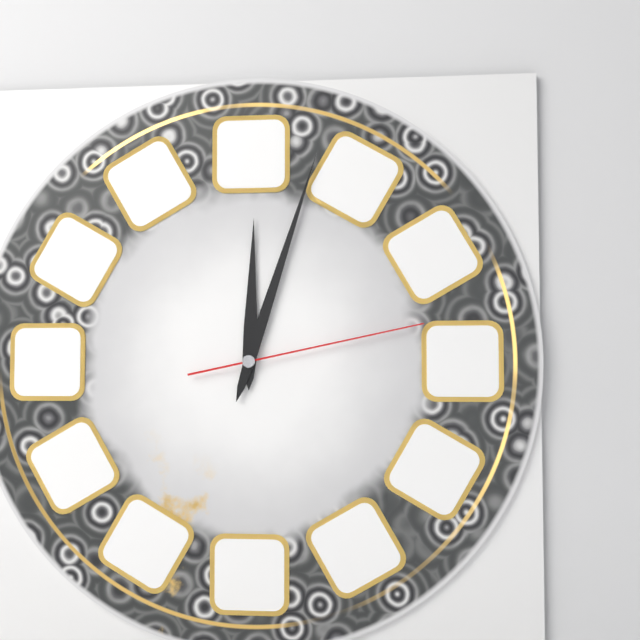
12:03:13
